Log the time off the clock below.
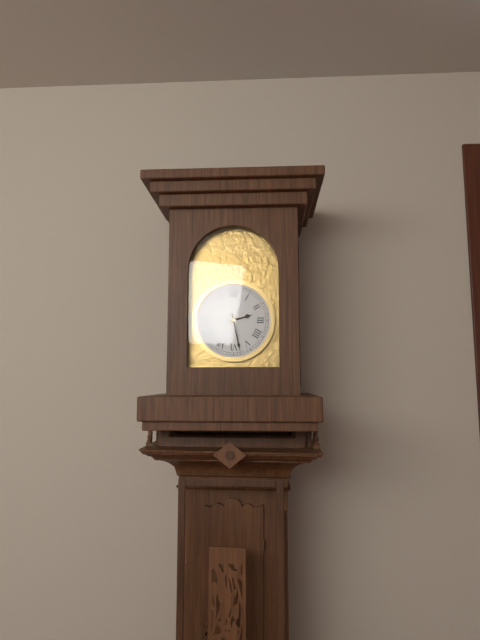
2:28
